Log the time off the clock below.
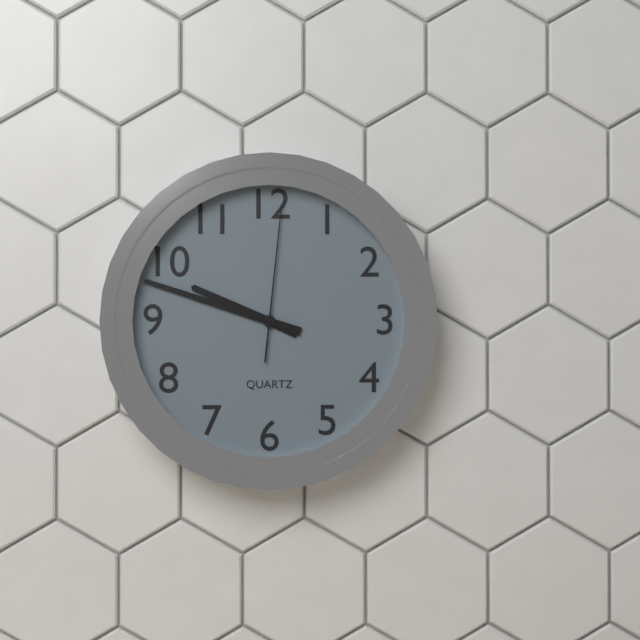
9:48:01
